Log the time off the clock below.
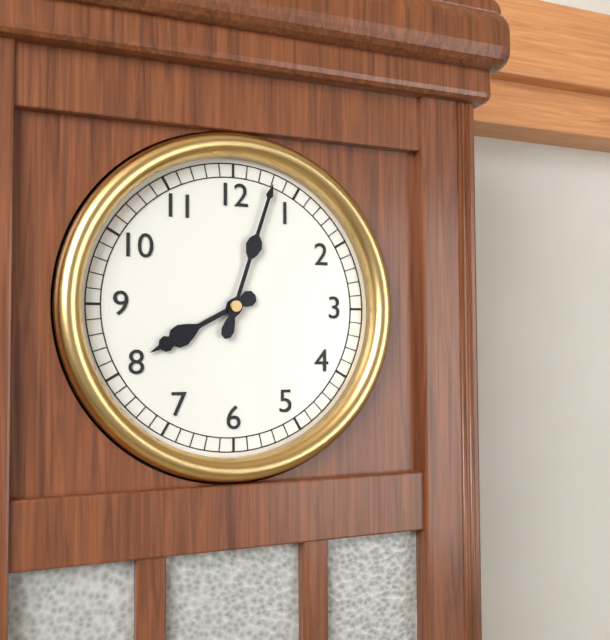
8:03
